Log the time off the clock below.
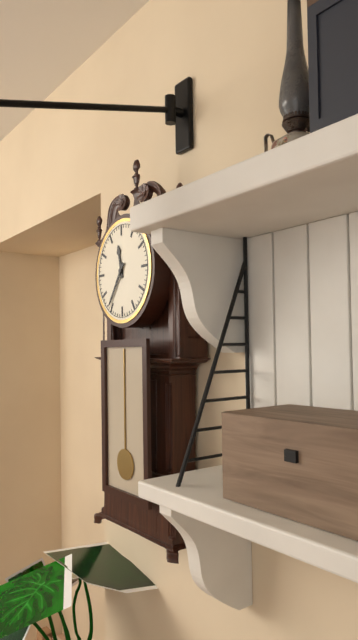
11:36
